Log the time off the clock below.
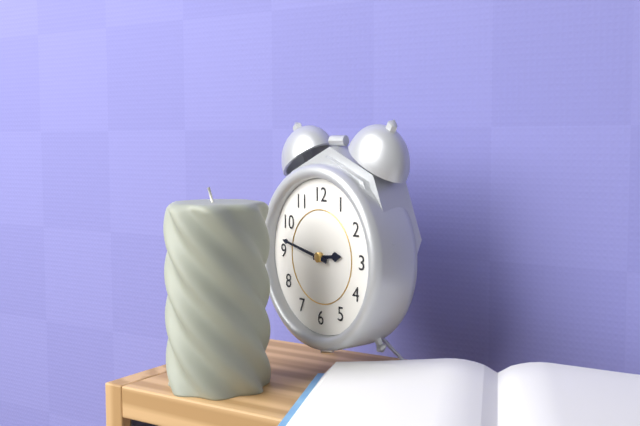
2:47
